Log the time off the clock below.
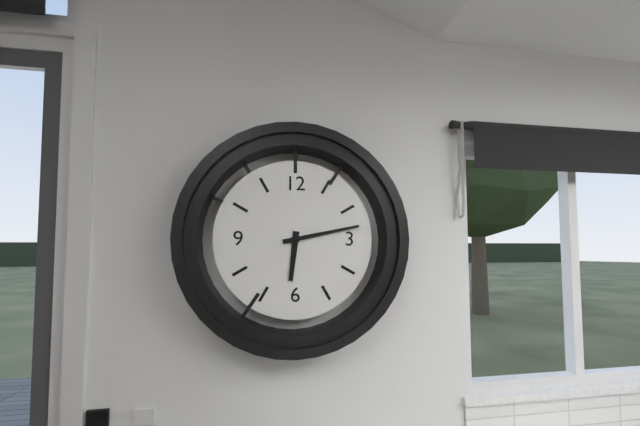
6:13
